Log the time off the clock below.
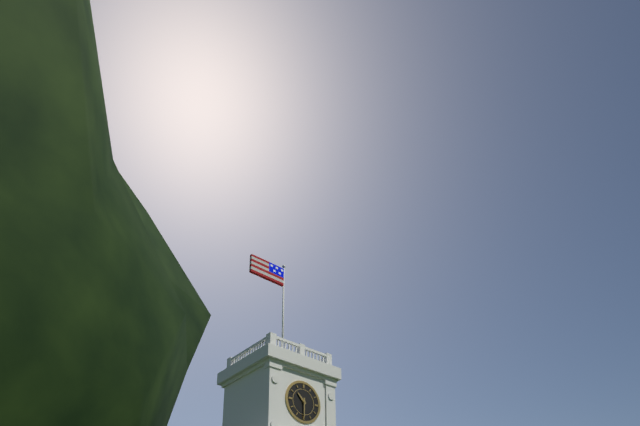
10:30
